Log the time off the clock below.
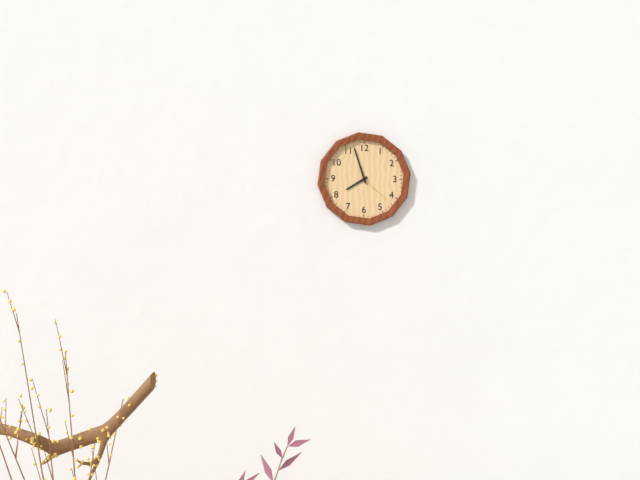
7:57
